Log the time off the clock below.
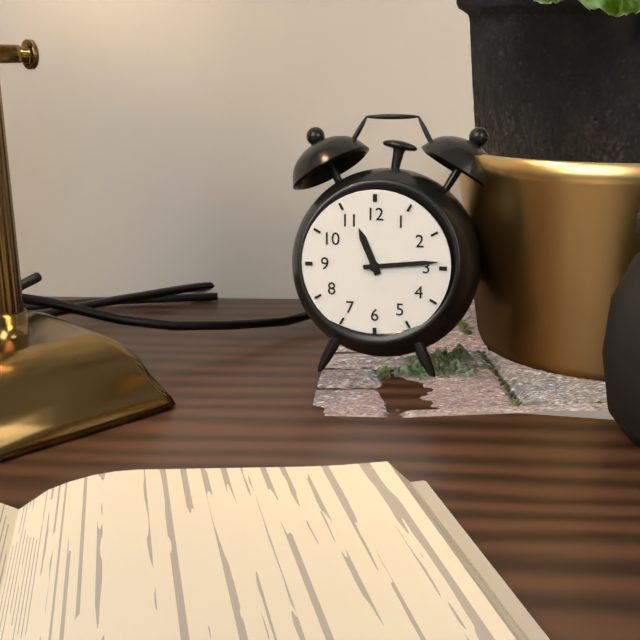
11:14
